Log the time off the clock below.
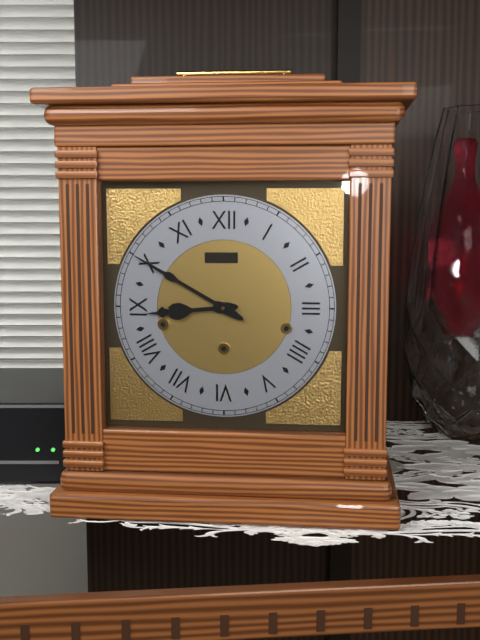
8:50
